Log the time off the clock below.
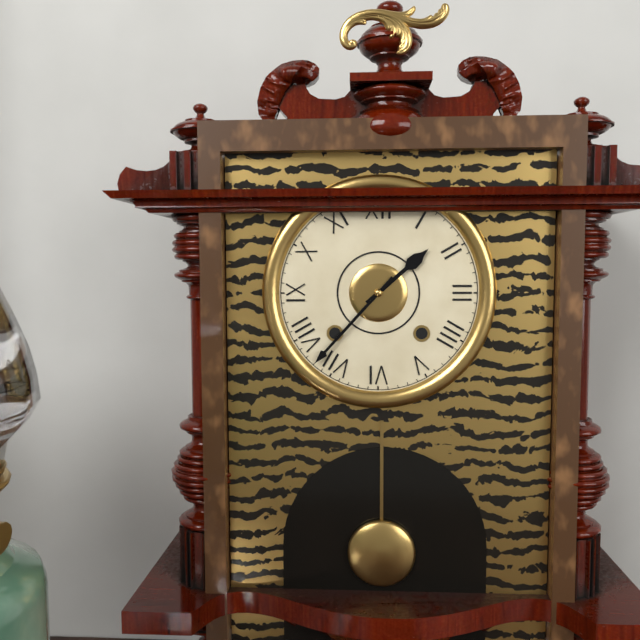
1:37
